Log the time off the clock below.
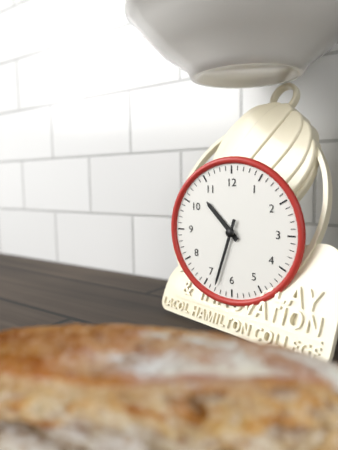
10:33
